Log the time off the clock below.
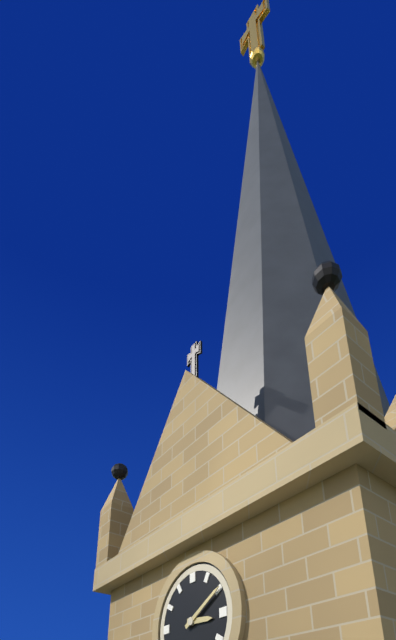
3:10
